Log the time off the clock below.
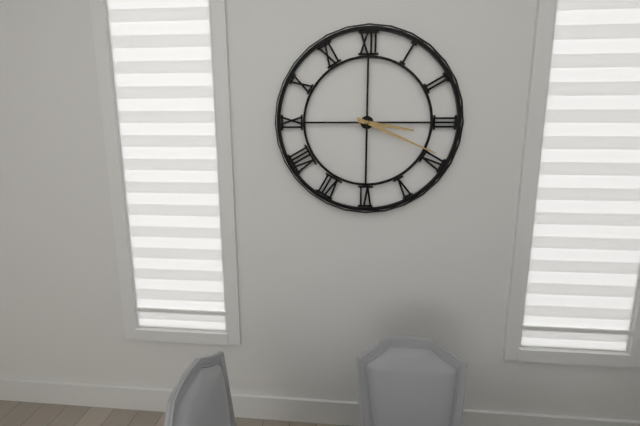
3:19
